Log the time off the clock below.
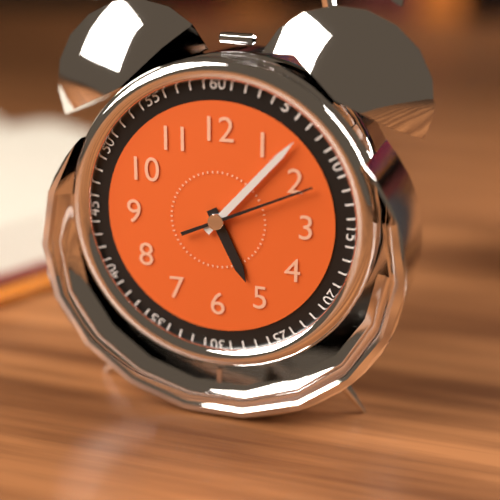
5:07:11
